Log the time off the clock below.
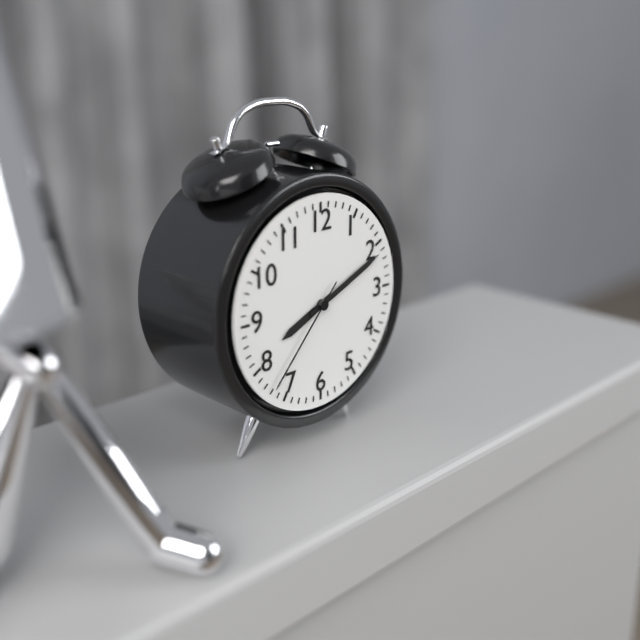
8:11:37
